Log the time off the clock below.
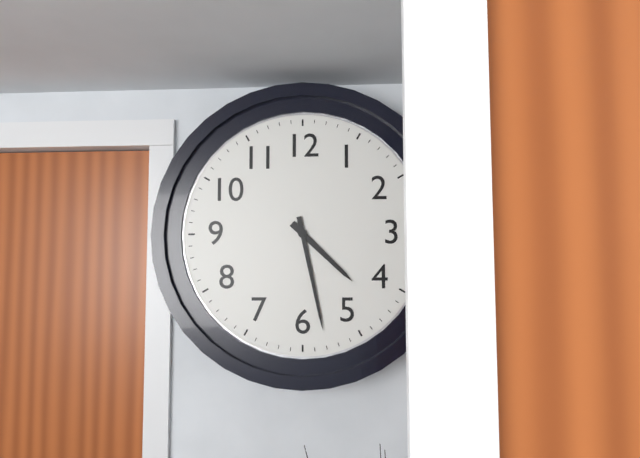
4:28
